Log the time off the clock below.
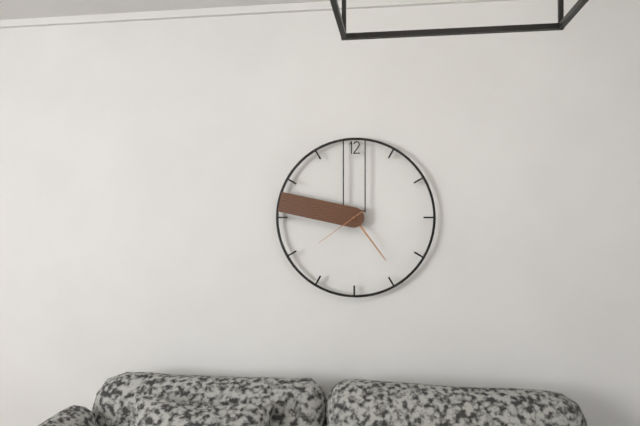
4:47:39
